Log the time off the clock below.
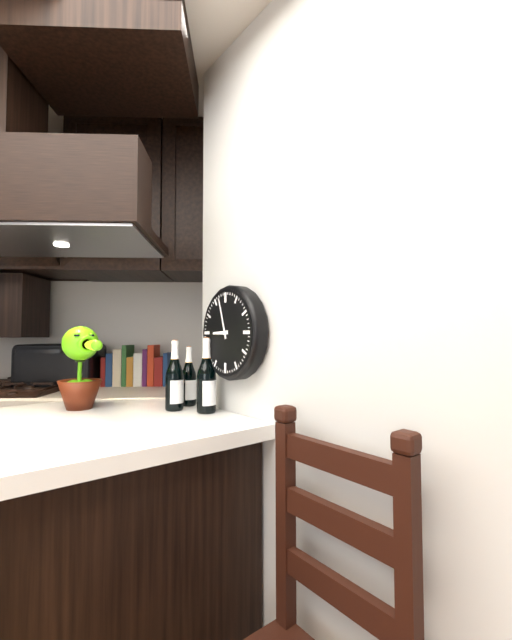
8:57
